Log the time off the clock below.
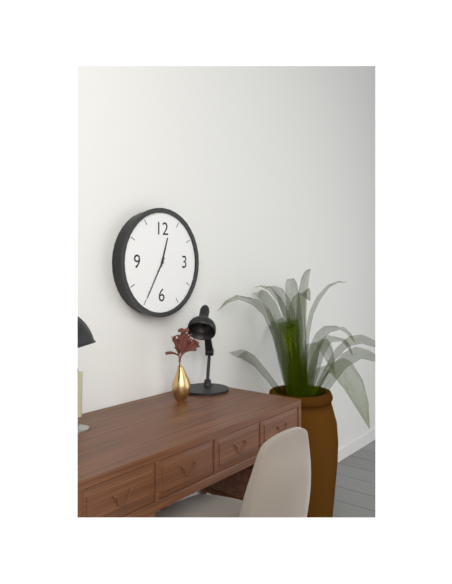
12:35
